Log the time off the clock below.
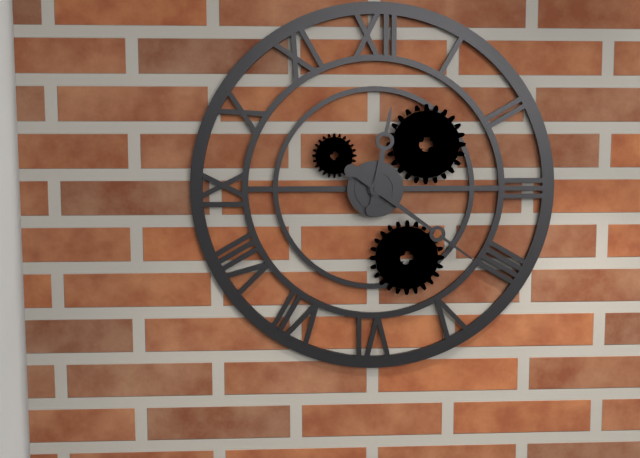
12:21
